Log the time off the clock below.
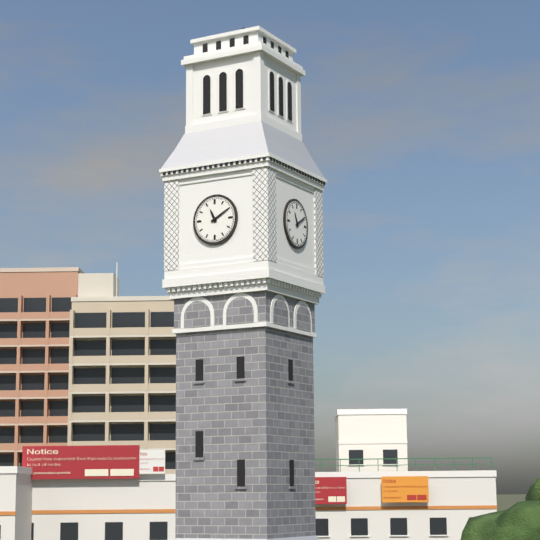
11:10
